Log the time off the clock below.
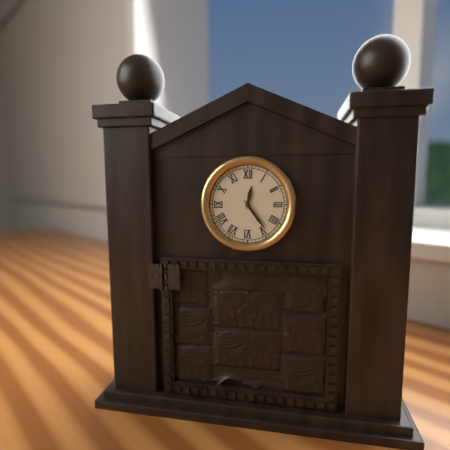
12:24
